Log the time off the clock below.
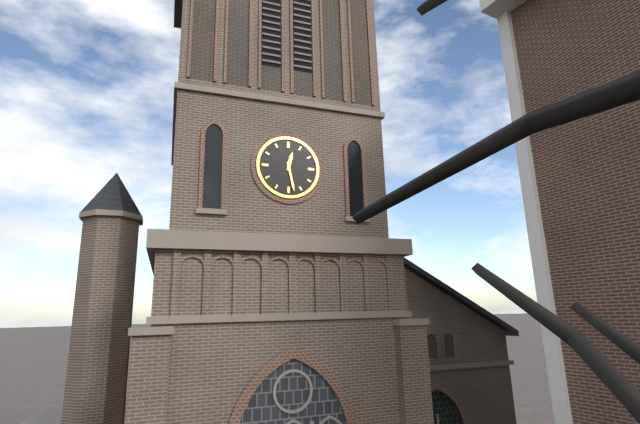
12:28
